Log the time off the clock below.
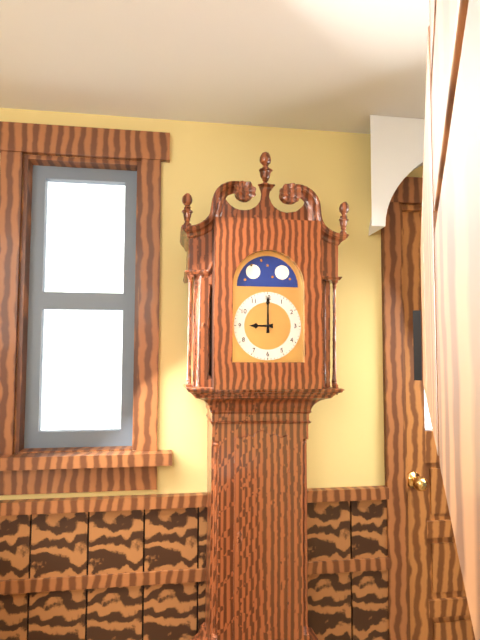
9:00
